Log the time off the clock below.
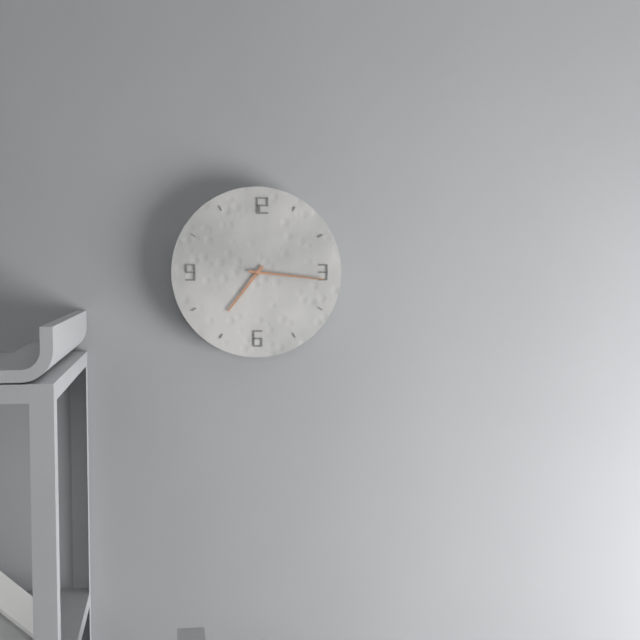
7:16
